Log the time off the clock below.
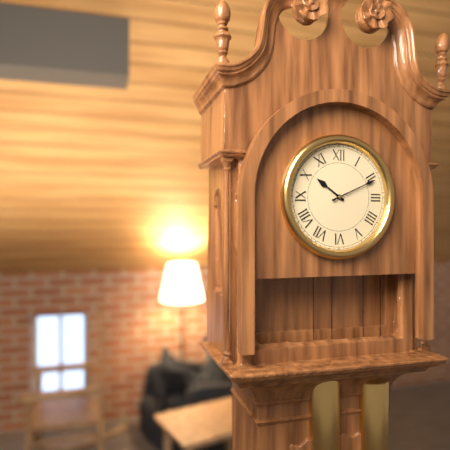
10:11
